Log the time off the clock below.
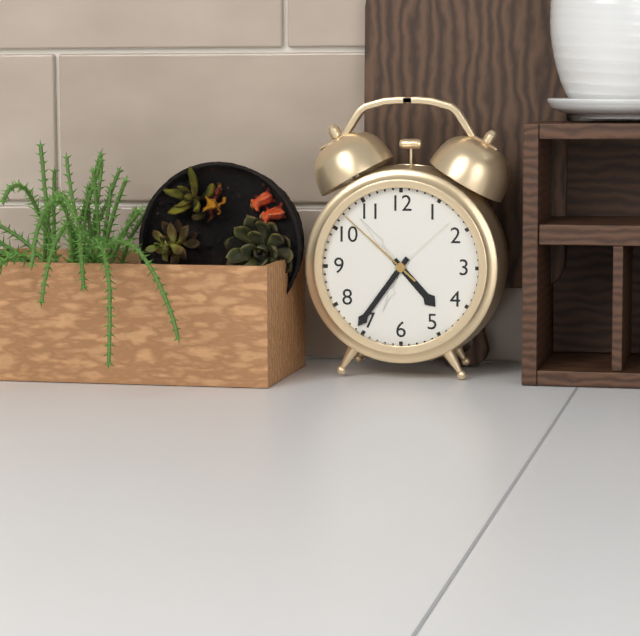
4:36:52
